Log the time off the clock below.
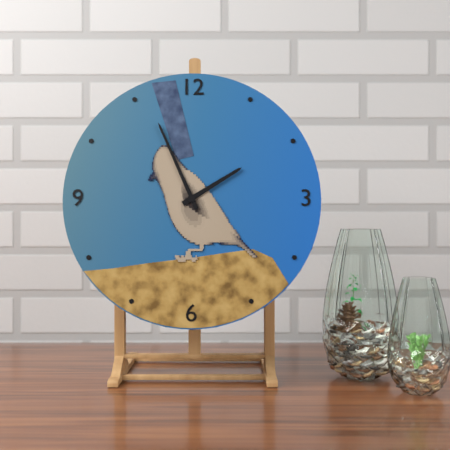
1:56
